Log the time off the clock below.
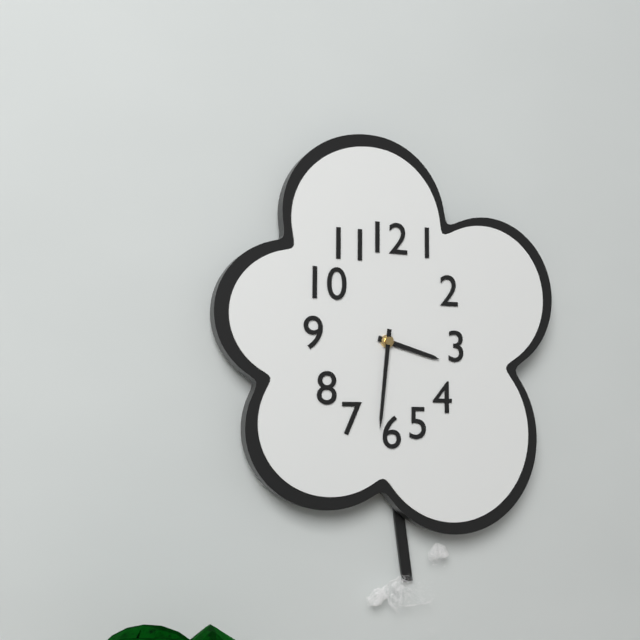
3:31
